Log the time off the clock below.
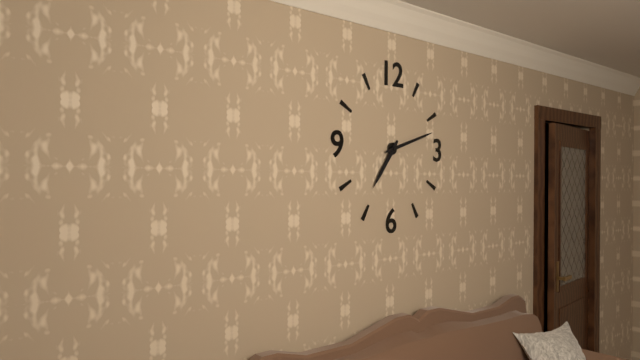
7:12
